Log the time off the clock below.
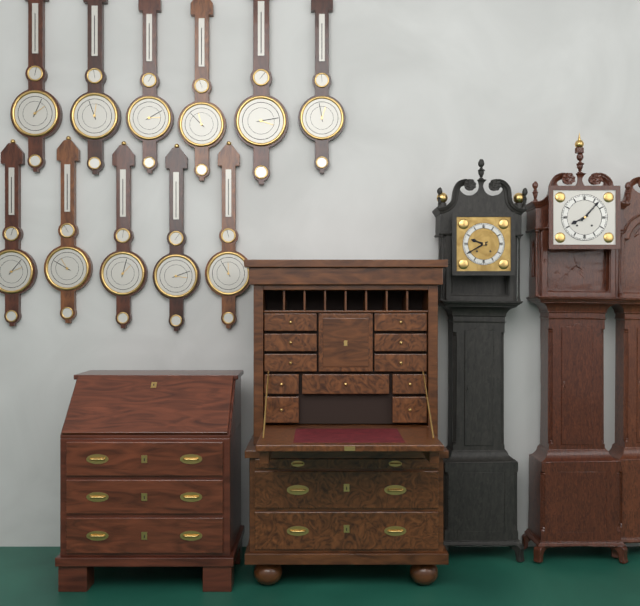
8:07
